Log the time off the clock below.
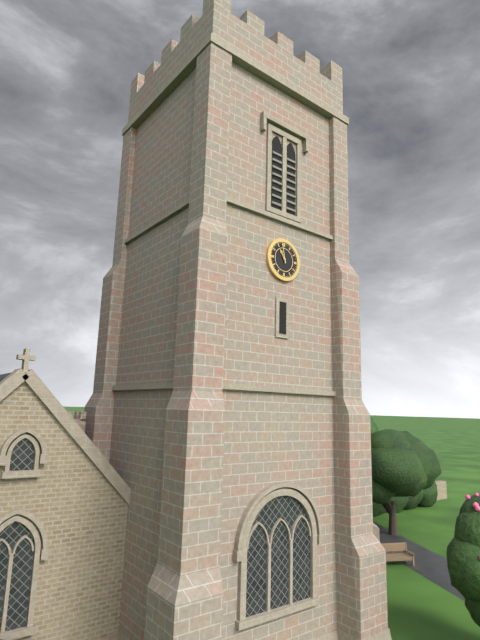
10:58
